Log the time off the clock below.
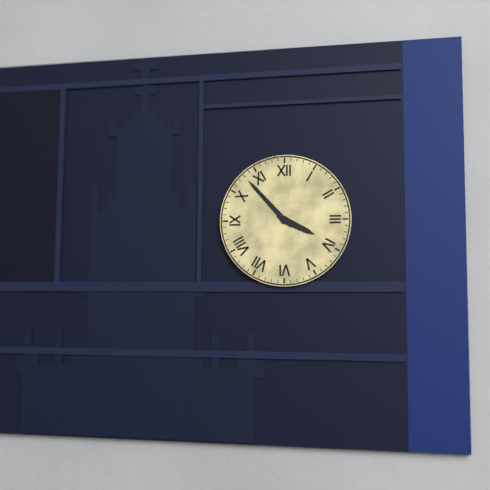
3:53
